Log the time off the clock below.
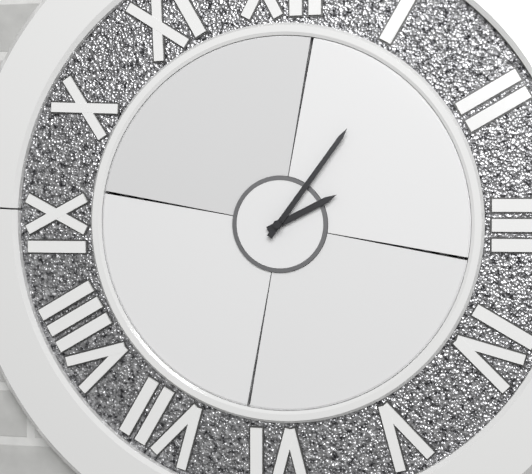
2:06
